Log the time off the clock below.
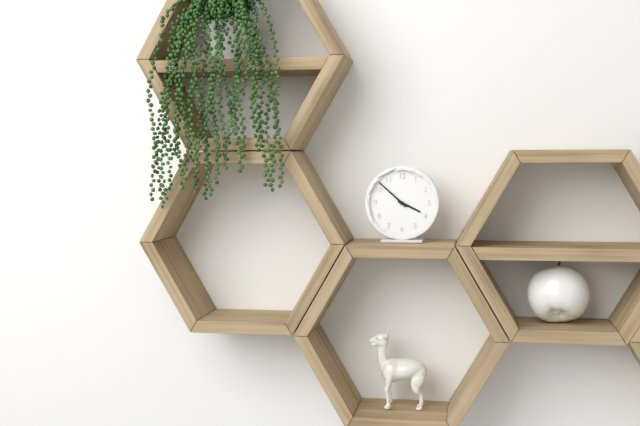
3:52
